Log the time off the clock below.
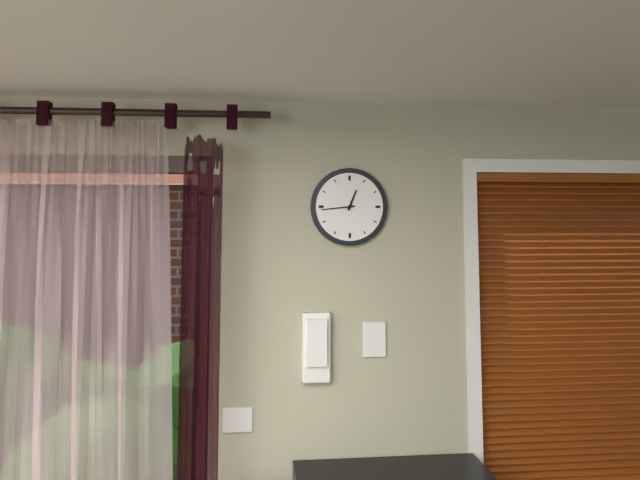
12:44
